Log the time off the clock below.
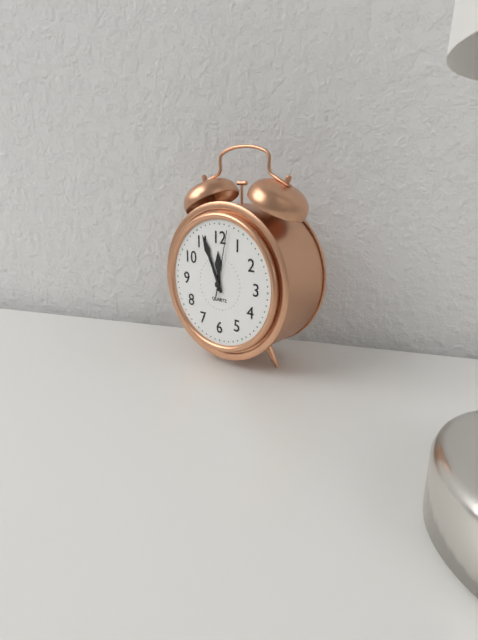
11:56:02
